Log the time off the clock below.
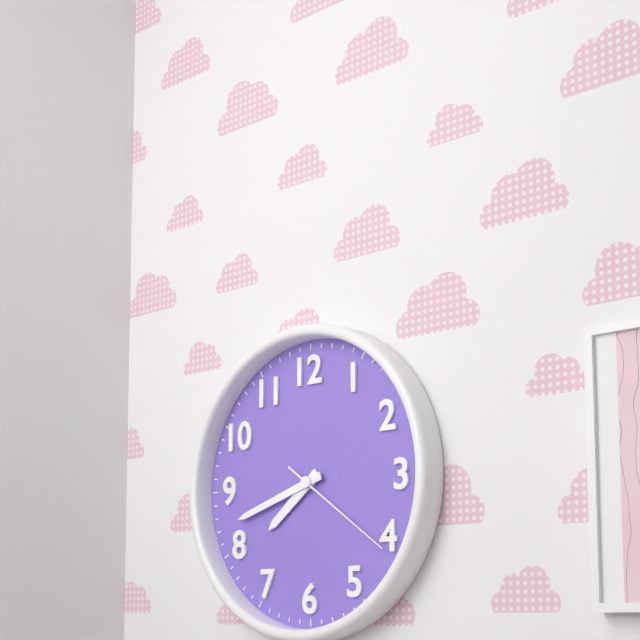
7:42:21
